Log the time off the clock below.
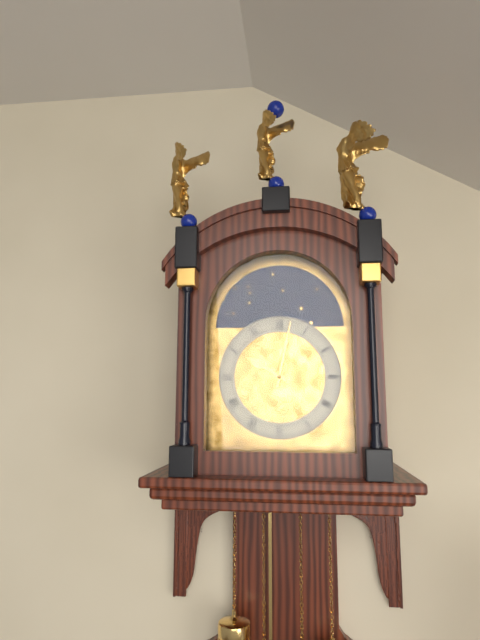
10:02
